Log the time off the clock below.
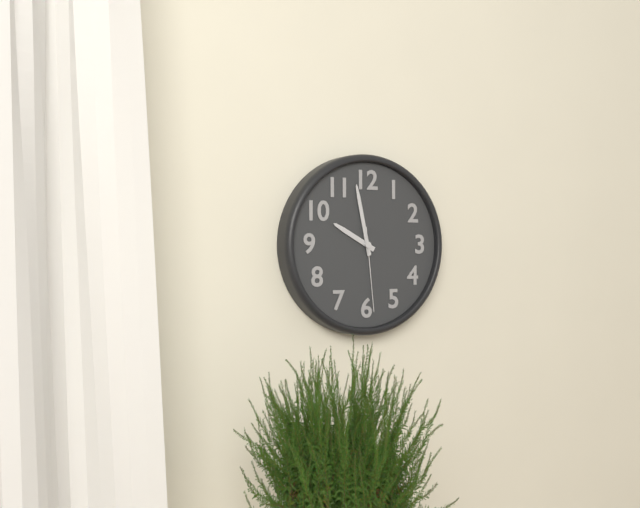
9:58:29
